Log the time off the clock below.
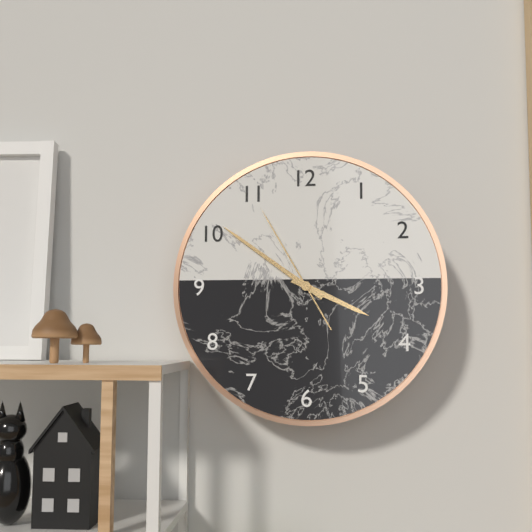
3:51:55
